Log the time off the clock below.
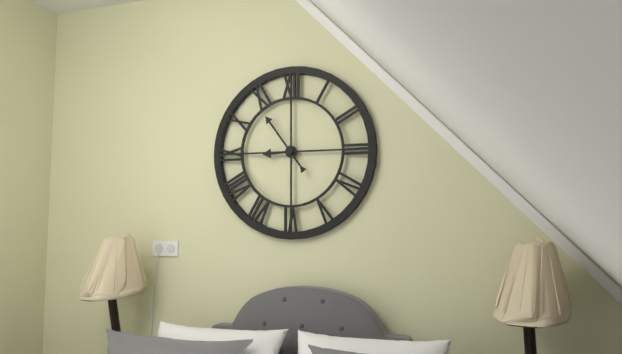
8:54
